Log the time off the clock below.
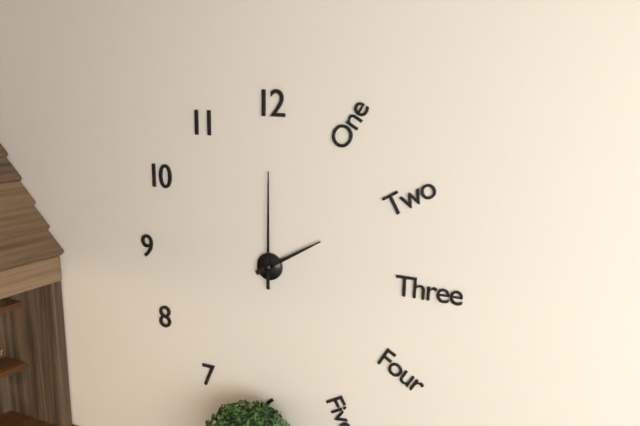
2:00
